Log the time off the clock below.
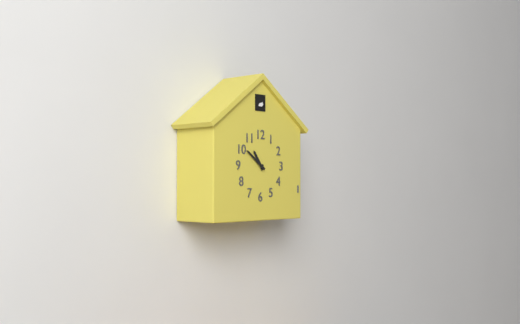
10:51
